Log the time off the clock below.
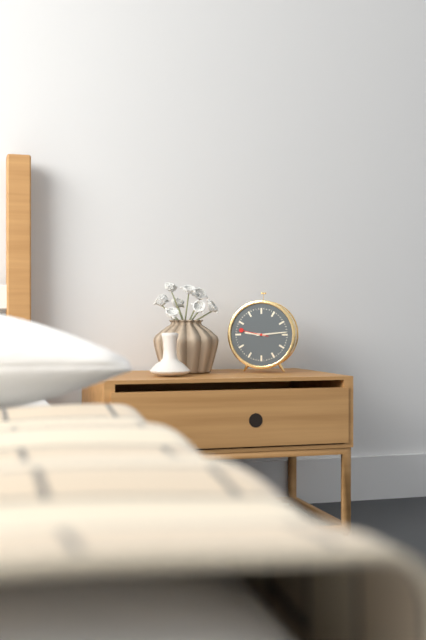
9:14
